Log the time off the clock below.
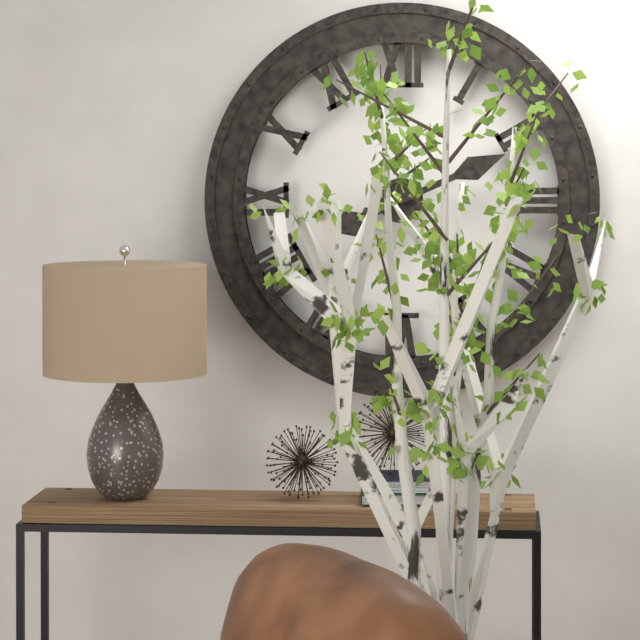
8:11
